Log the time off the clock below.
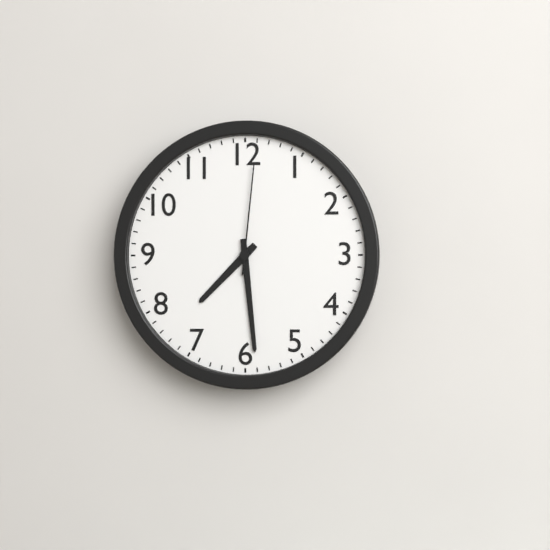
7:29:01
